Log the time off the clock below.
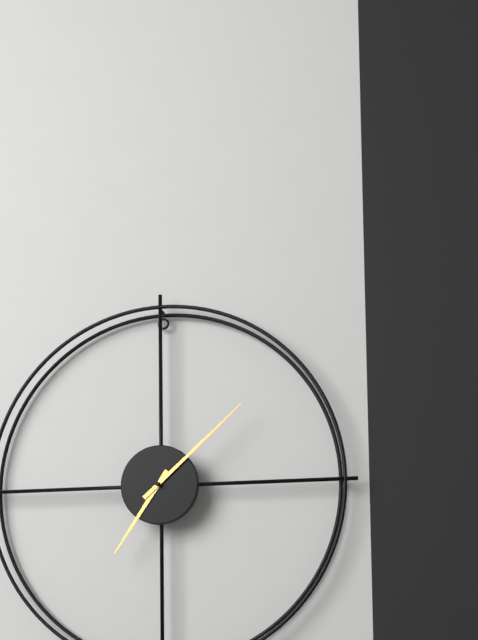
7:08
